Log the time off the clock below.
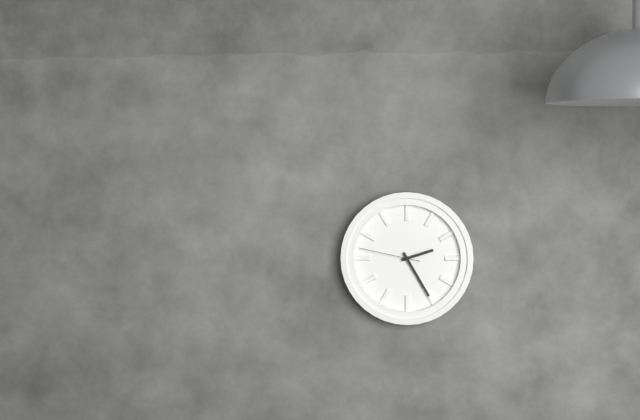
2:25:47
